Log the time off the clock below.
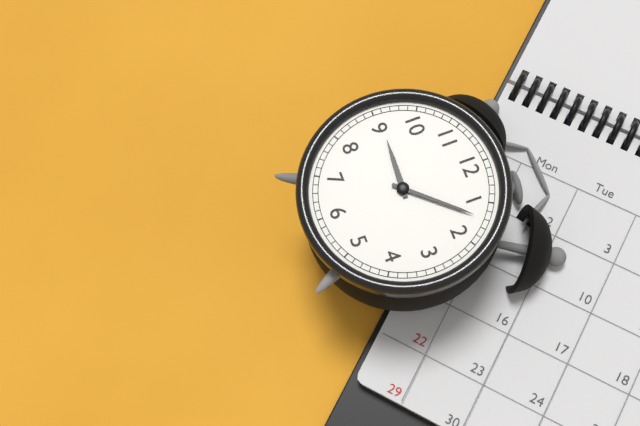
9:07
